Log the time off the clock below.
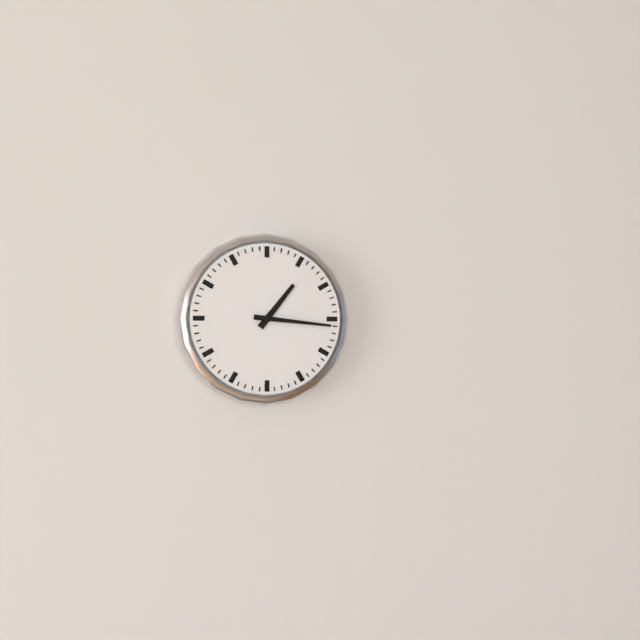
1:16
